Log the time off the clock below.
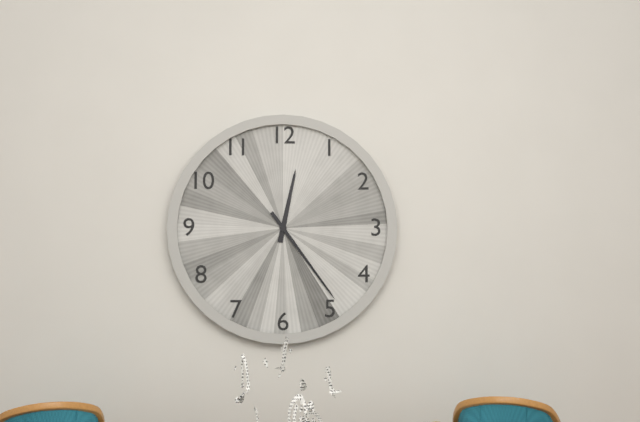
12:24
